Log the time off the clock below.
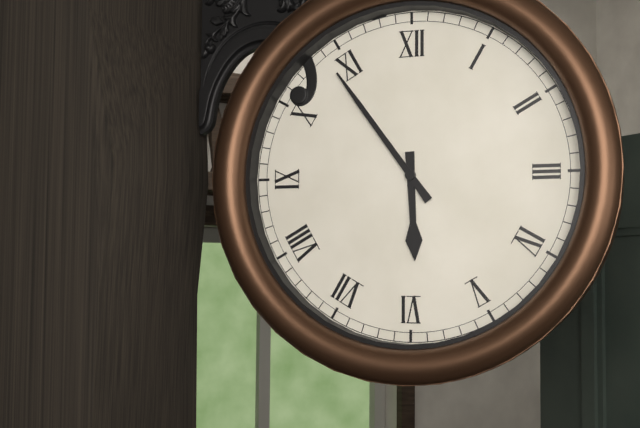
5:54
